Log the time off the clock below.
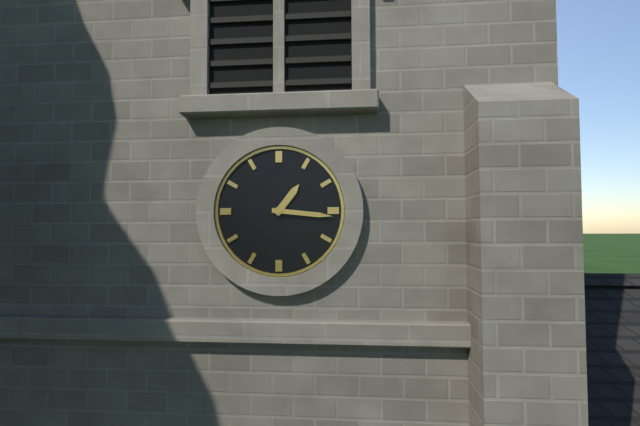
1:16
